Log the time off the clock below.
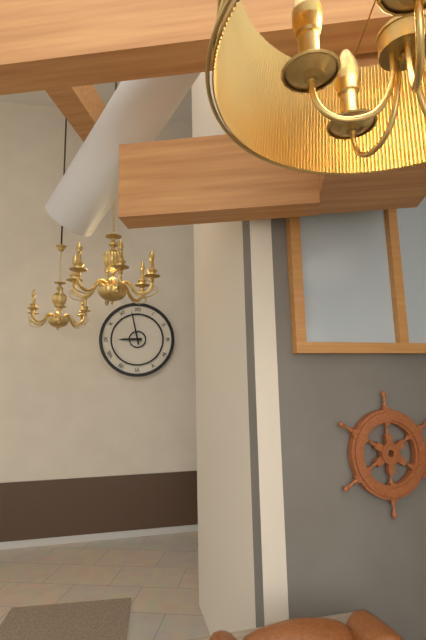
8:58
